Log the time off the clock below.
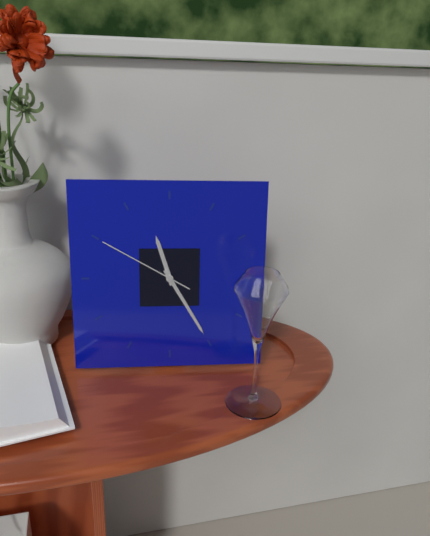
11:25:50
